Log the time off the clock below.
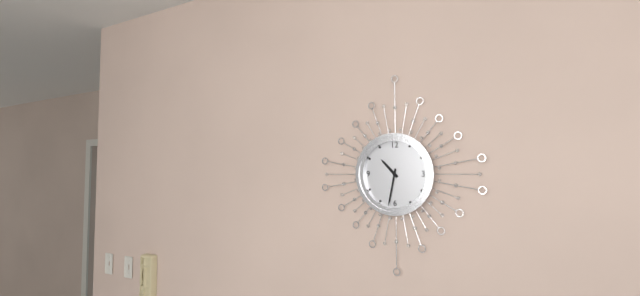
10:32
